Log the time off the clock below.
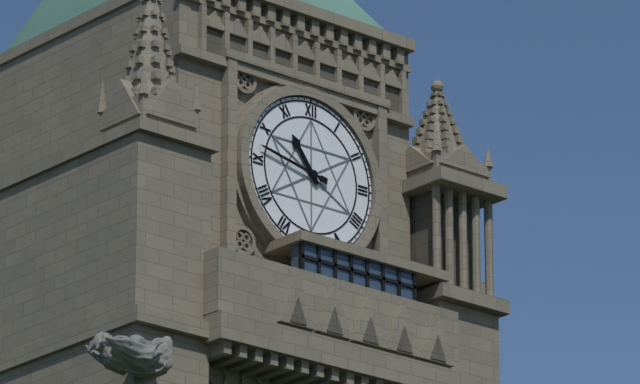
10:47
